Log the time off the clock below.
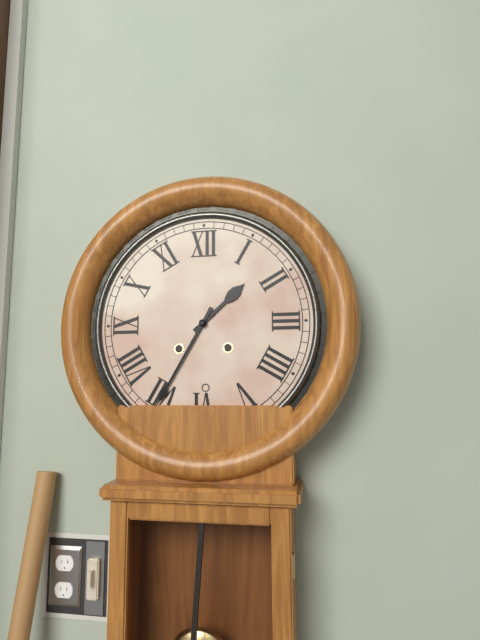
1:35
